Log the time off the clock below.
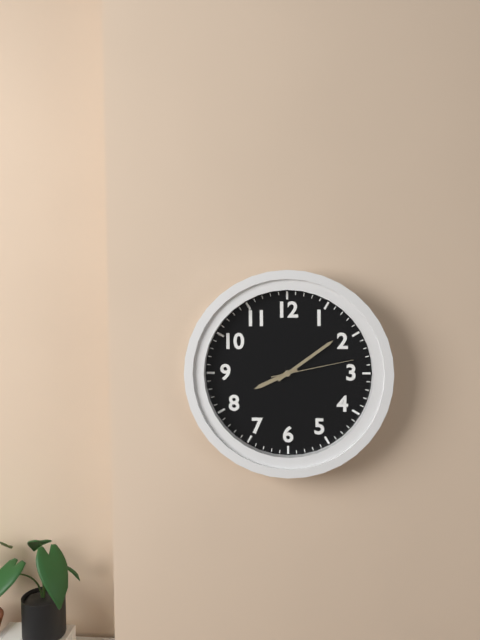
8:09:13
